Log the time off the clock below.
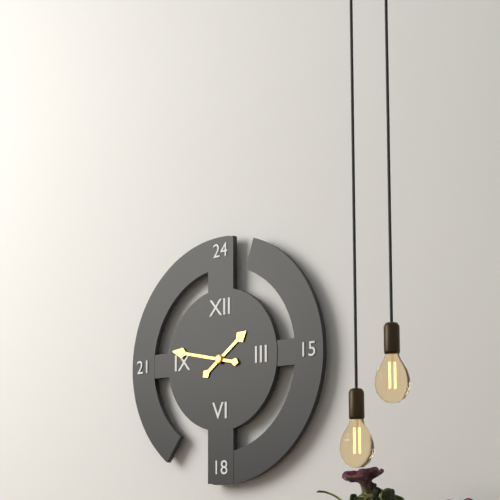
1:47
